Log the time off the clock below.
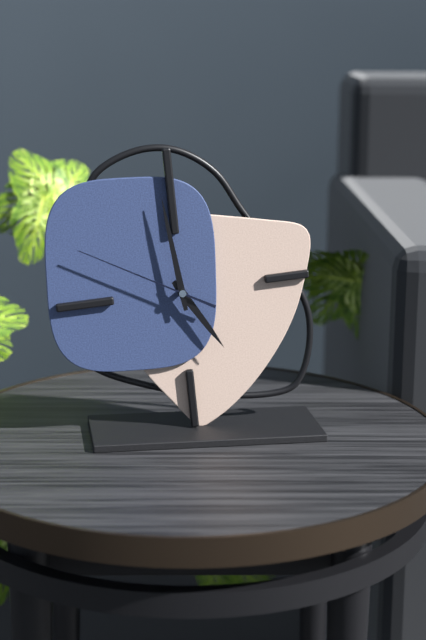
4:59:50
